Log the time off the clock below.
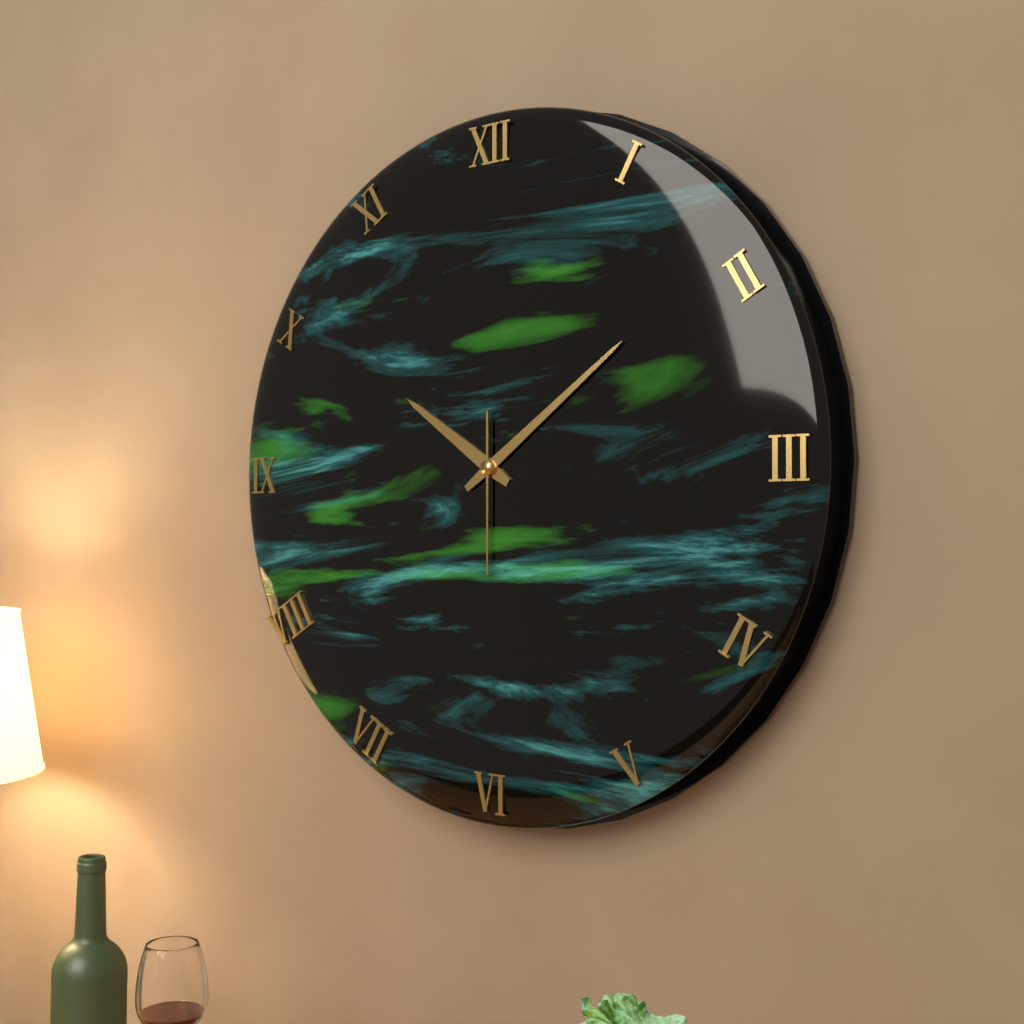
10:09:30
